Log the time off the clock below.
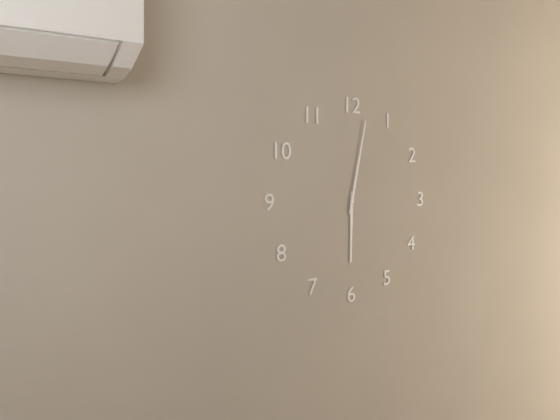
6:02
